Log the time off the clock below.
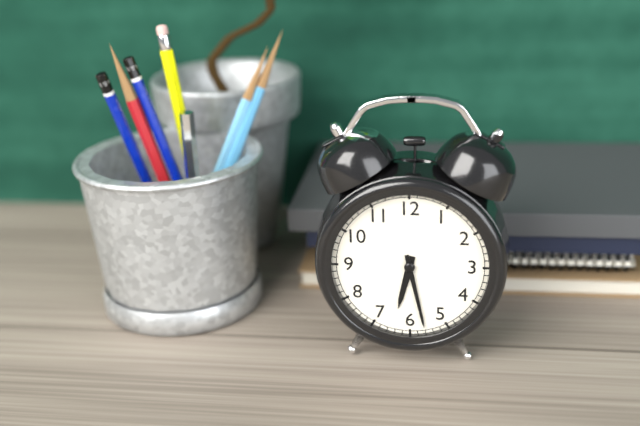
6:28
